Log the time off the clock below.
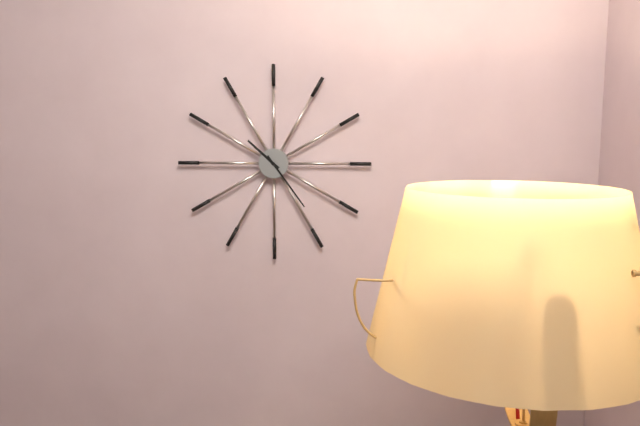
10:24
